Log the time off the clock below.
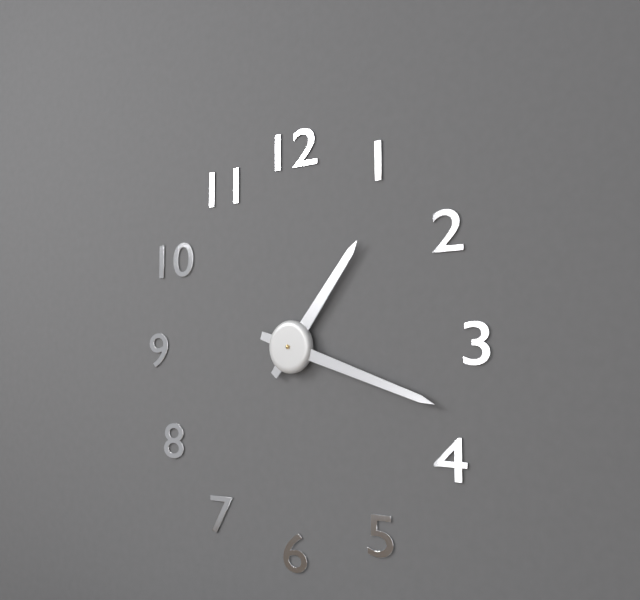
1:18
